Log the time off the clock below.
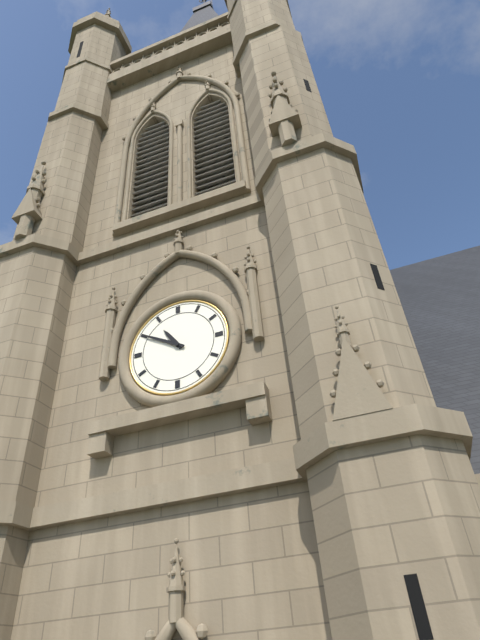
10:50
